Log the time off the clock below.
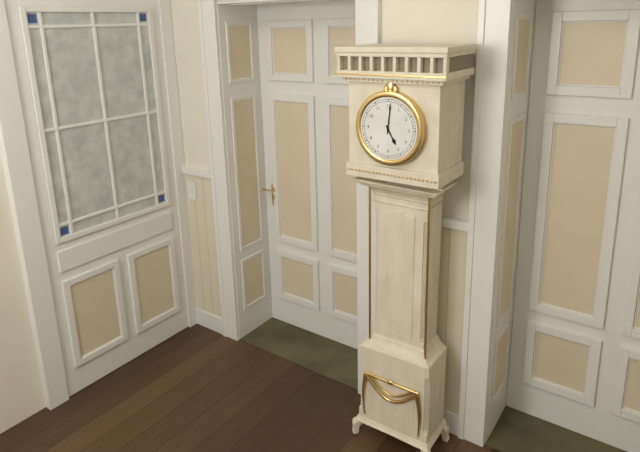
5:01
